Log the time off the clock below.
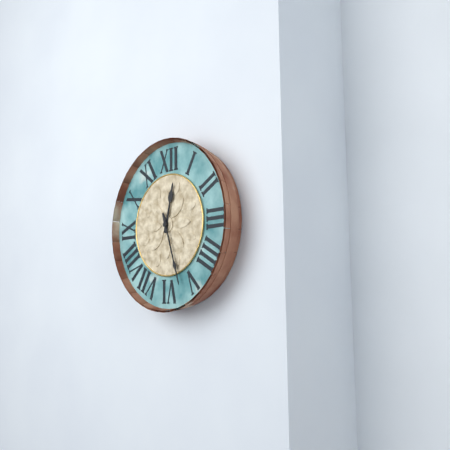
12:27
